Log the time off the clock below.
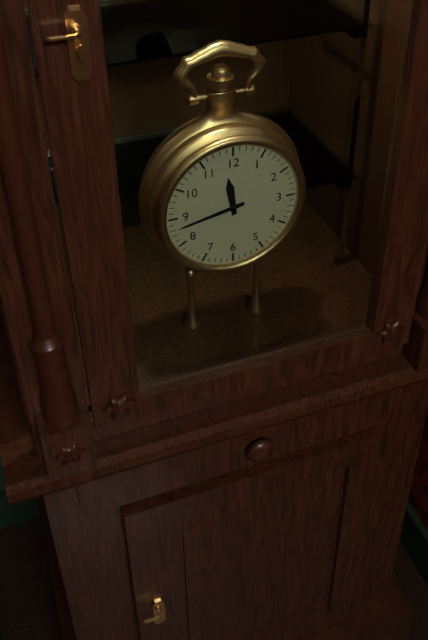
11:43
